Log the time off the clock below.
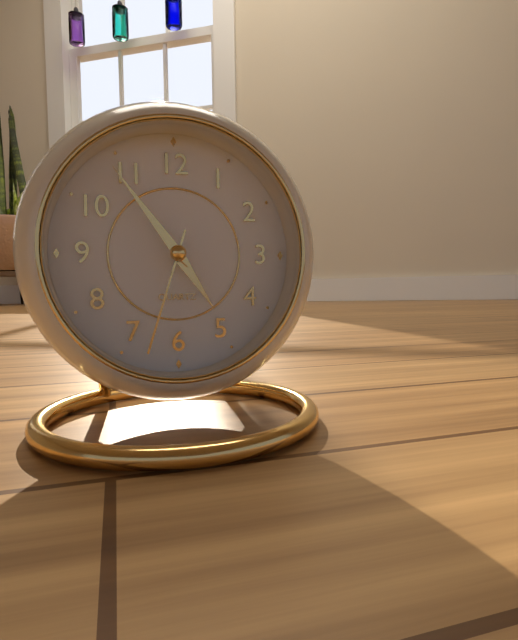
4:54:33
